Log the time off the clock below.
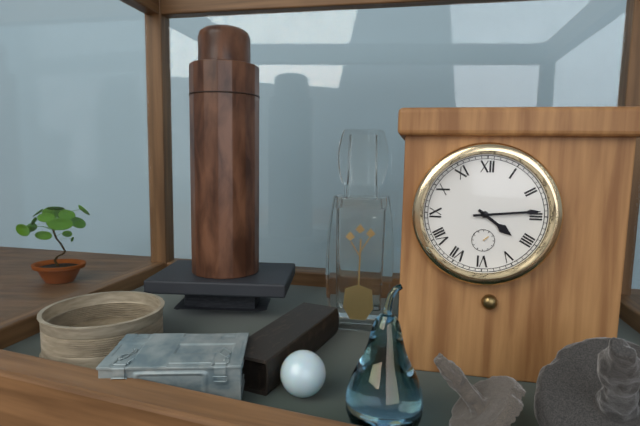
4:14
